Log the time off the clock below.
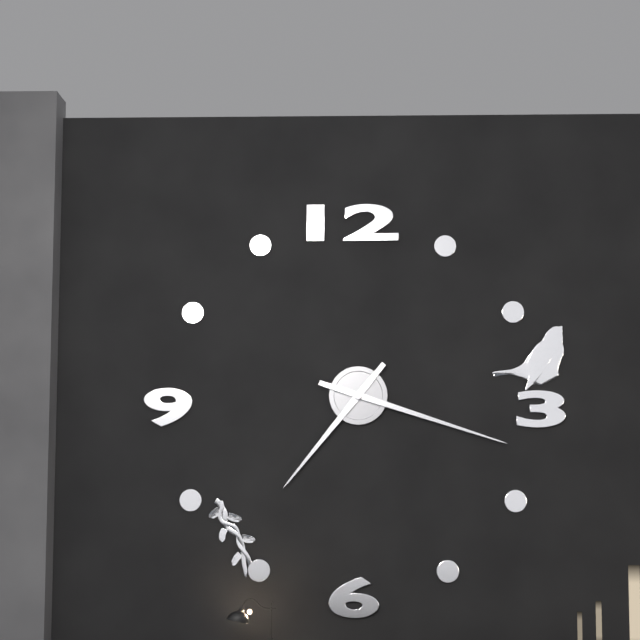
7:18
